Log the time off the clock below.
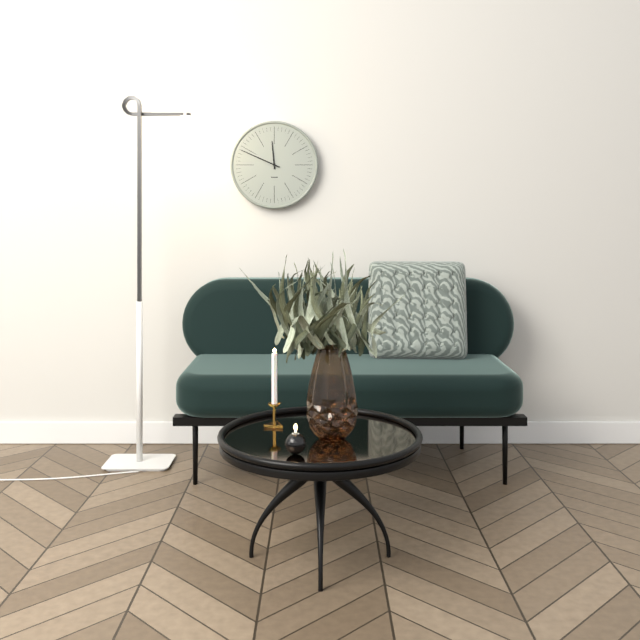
11:49
